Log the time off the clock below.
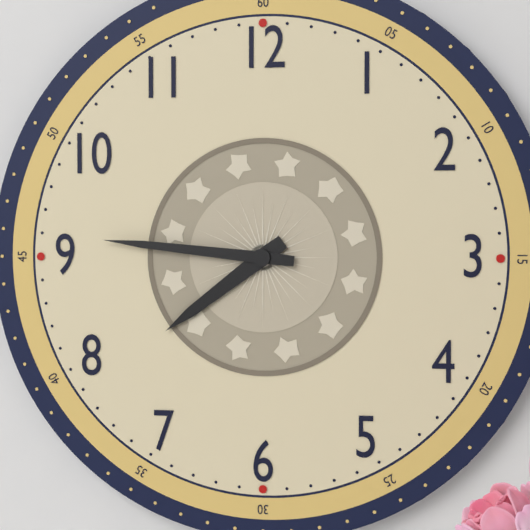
7:46
